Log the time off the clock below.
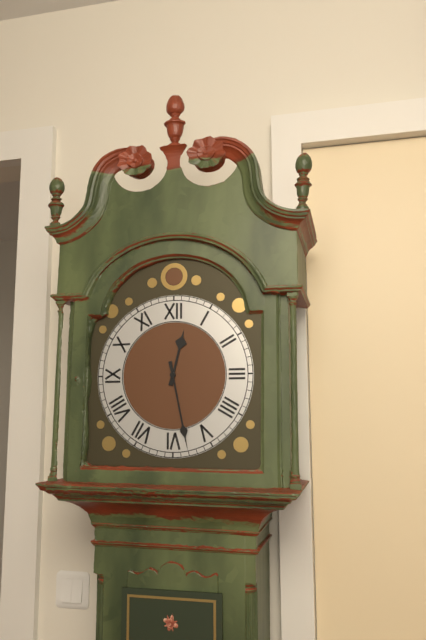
12:28
